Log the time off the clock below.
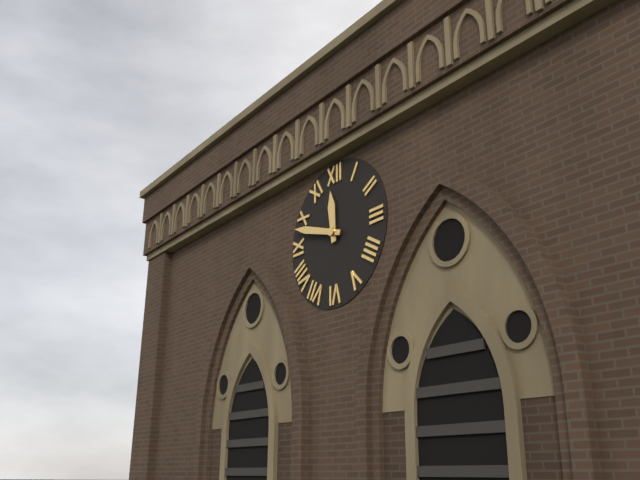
11:48
